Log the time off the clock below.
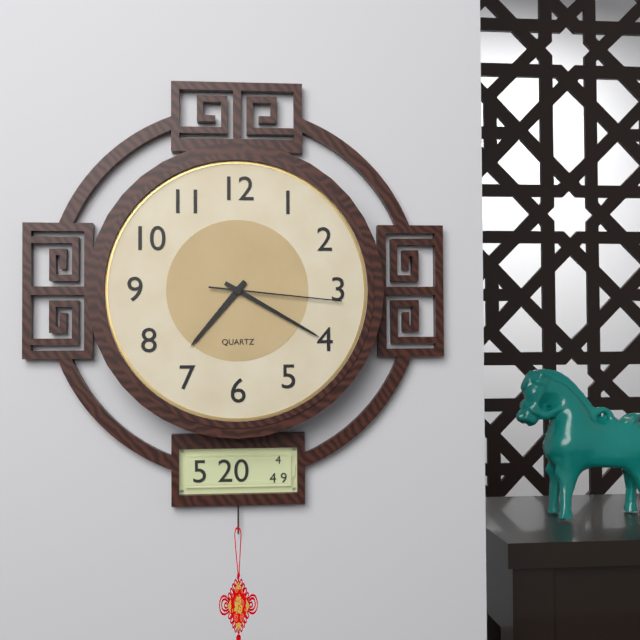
7:20:16
